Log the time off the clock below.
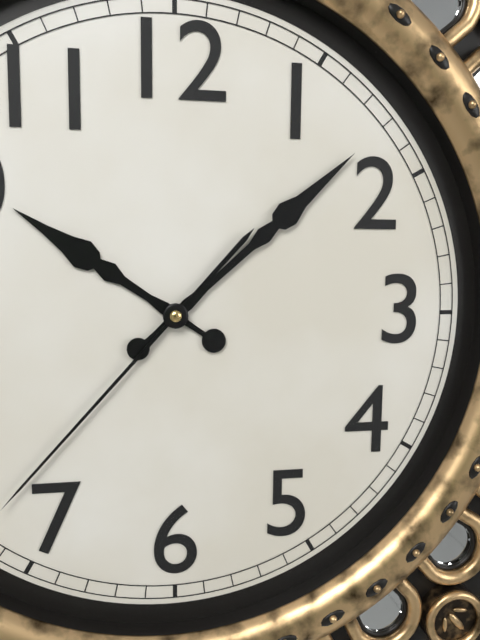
10:08:37
